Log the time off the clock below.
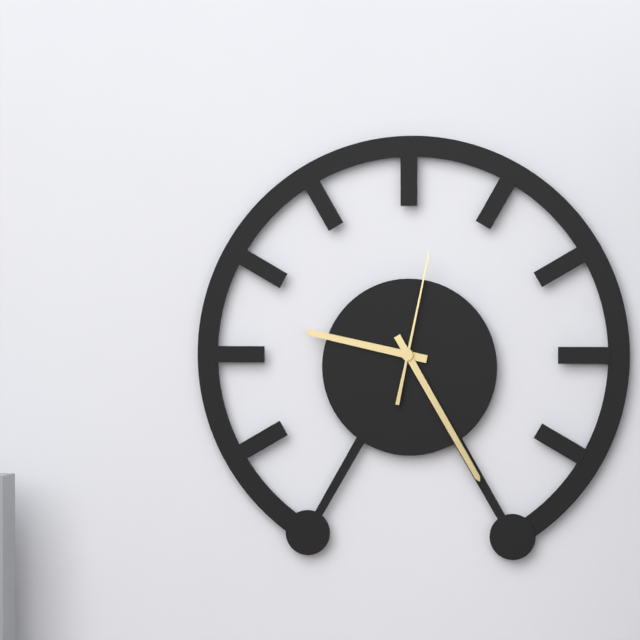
9:25:02
